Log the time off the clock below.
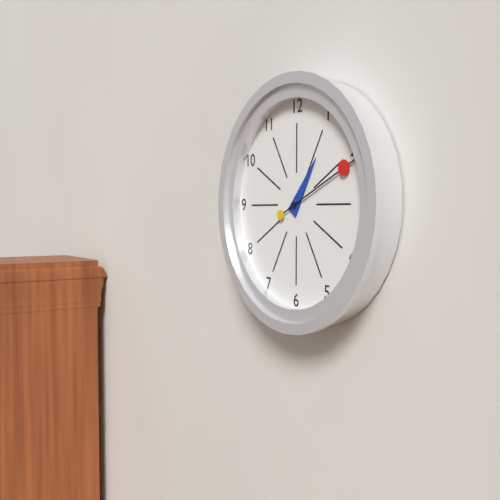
1:11
